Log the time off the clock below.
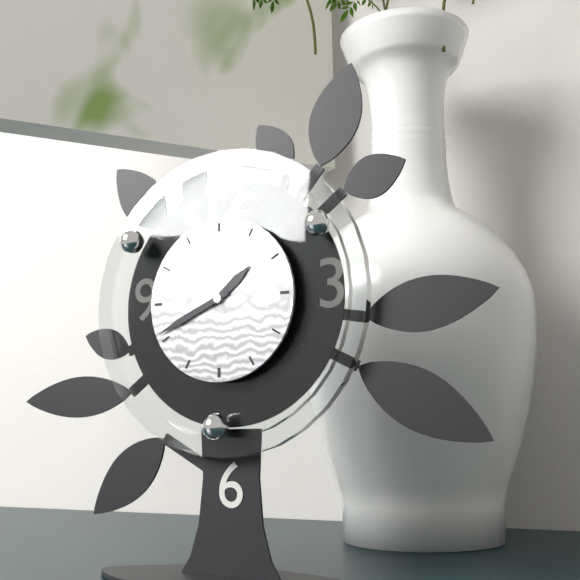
1:41
